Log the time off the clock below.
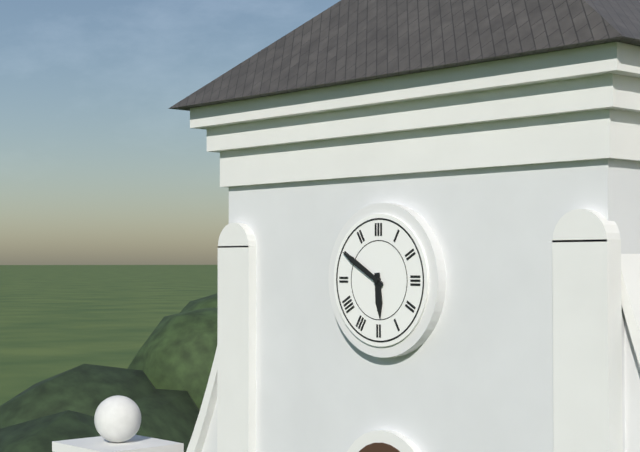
5:50
